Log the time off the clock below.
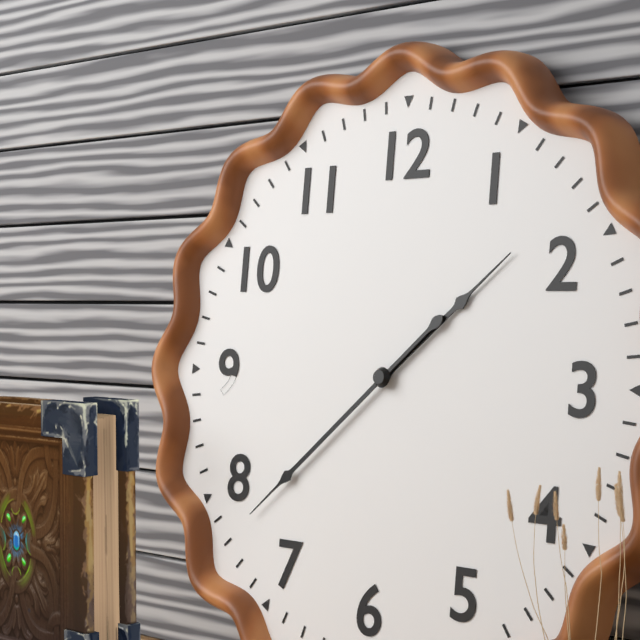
1:38
